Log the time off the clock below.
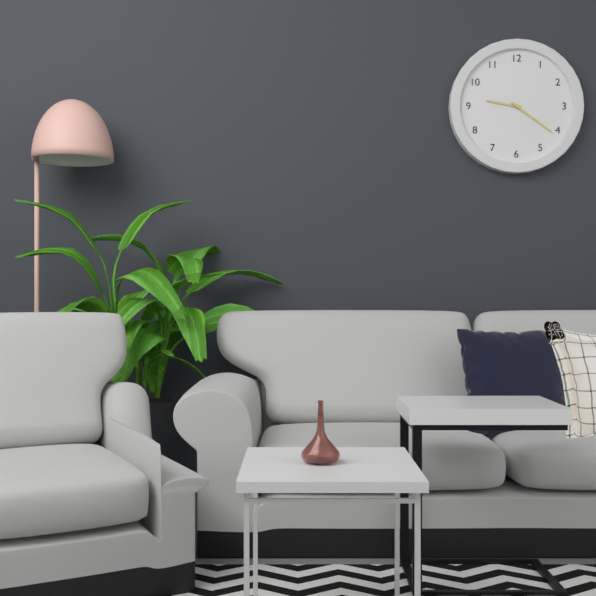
9:21
